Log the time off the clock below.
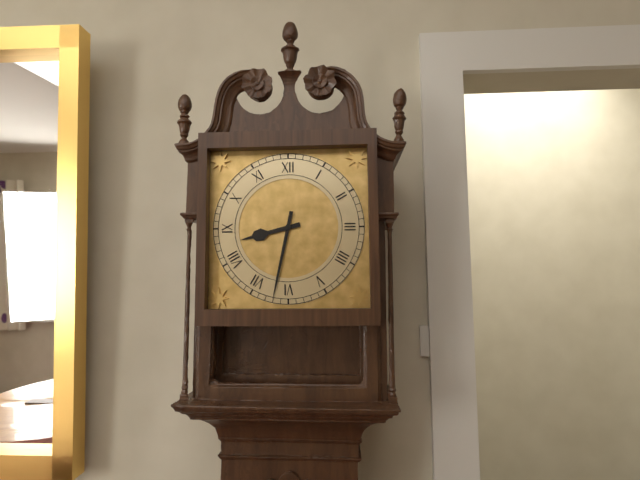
8:32
